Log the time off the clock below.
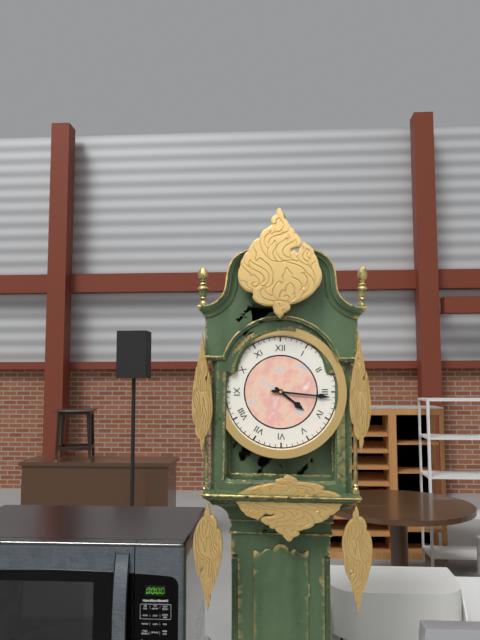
4:16
